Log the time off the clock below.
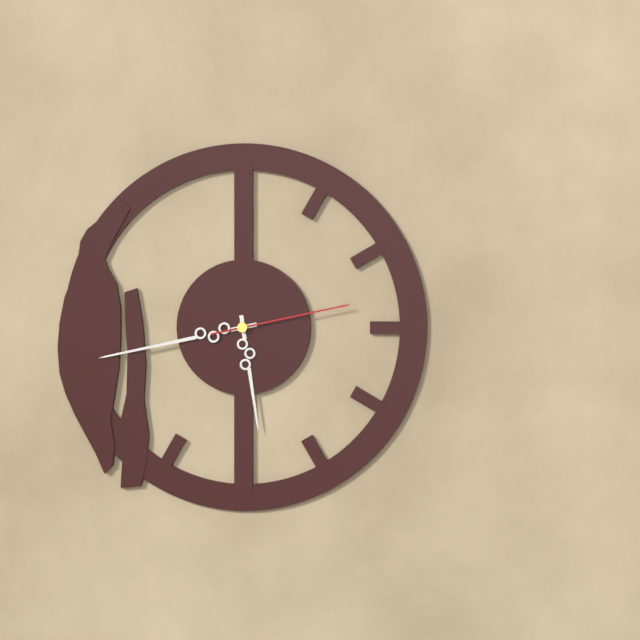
5:43:13
